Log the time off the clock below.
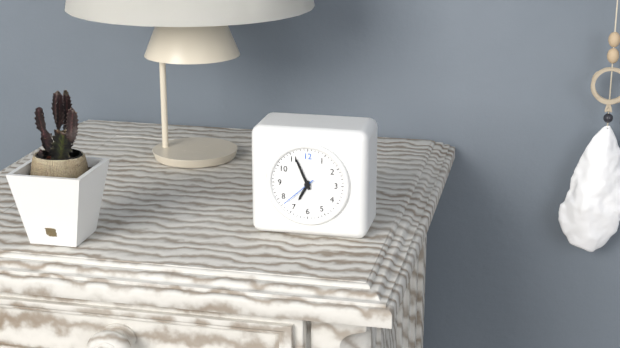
6:56
